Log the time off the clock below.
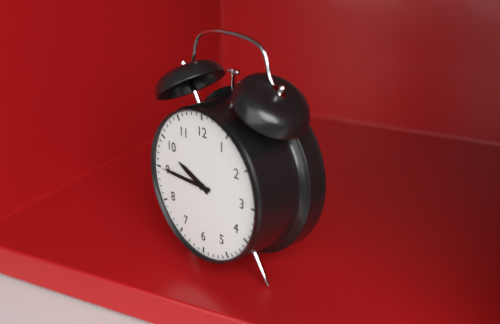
9:45
